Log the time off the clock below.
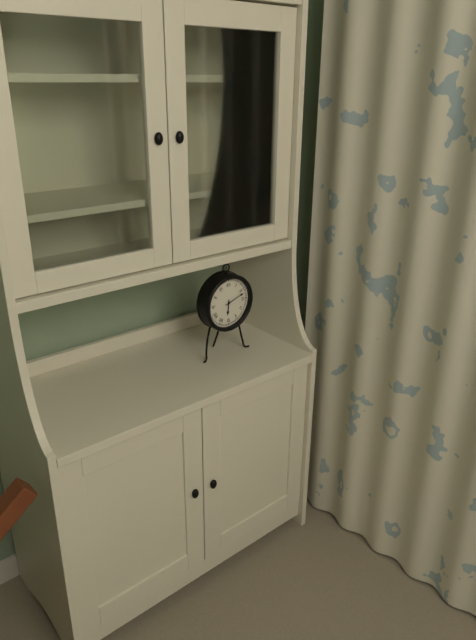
6:12
